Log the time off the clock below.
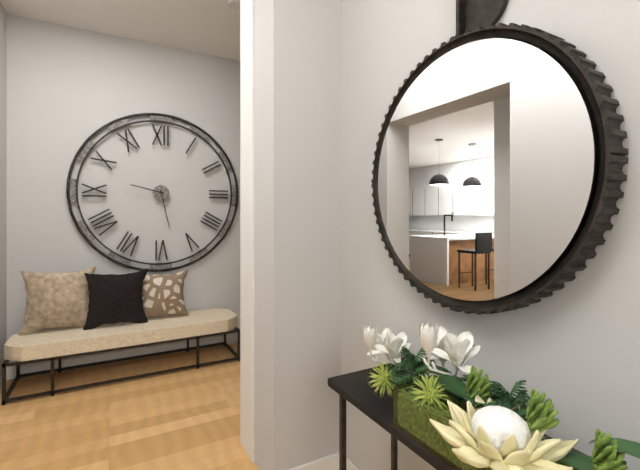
9:28
